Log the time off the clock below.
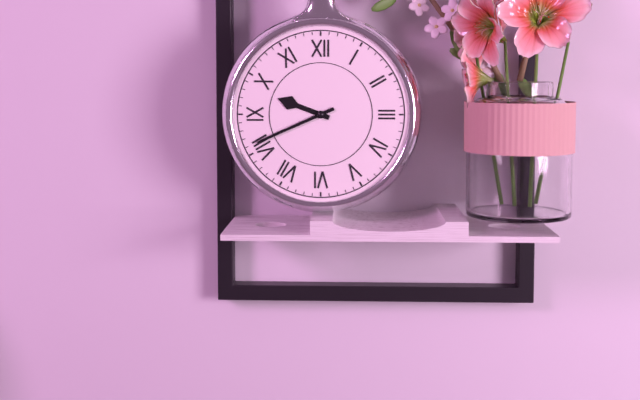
9:41
